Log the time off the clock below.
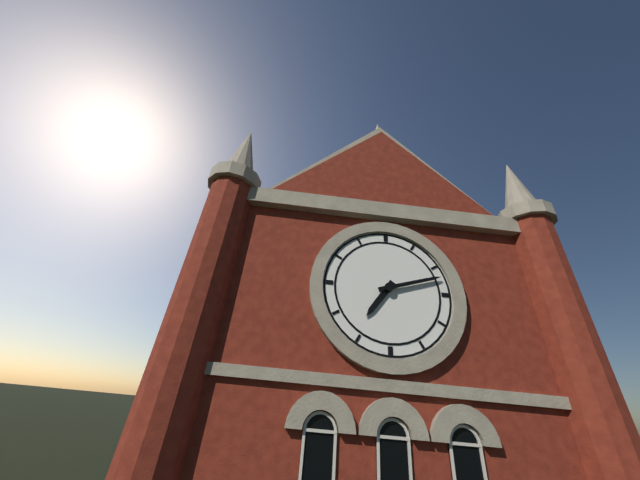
7:12
